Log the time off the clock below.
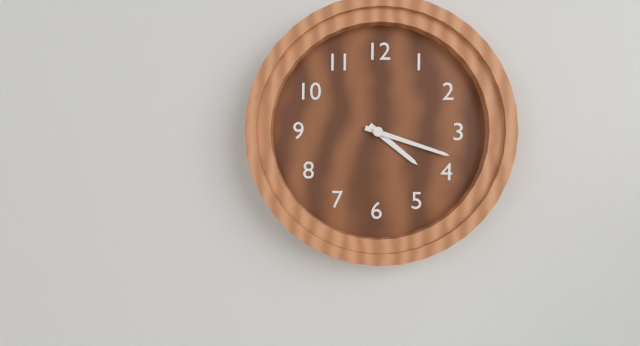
4:18
